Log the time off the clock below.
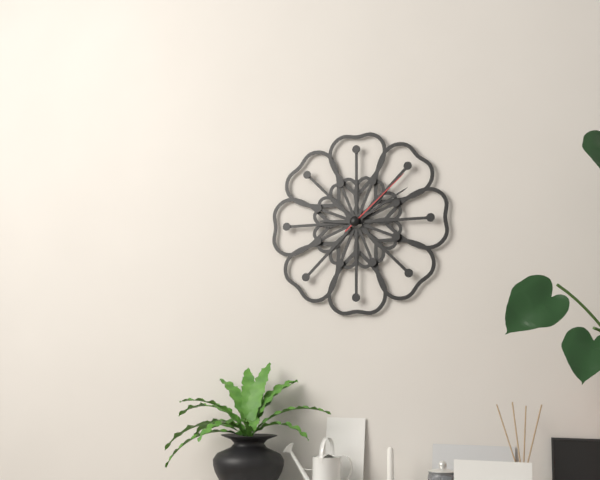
9:10:08
